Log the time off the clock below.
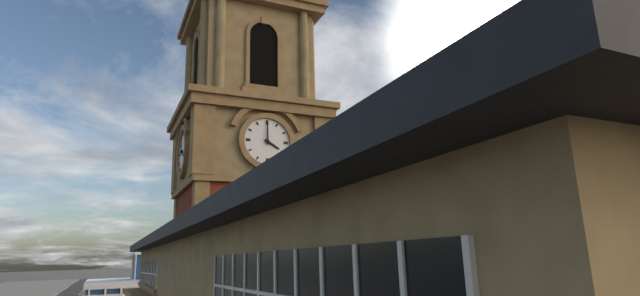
4:00
